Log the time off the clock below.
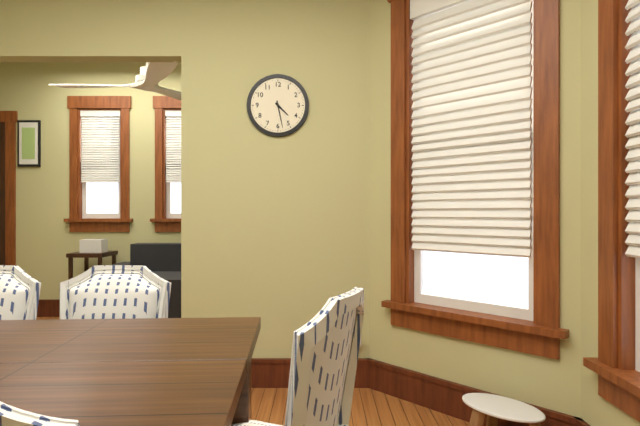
4:28
